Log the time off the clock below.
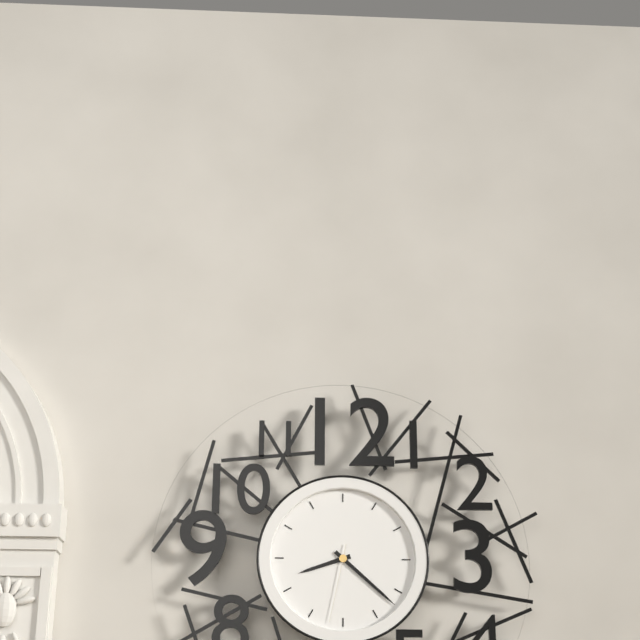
8:22:32
